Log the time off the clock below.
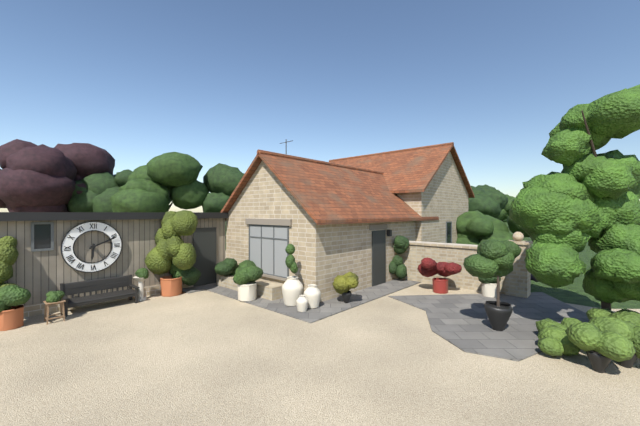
6:11
